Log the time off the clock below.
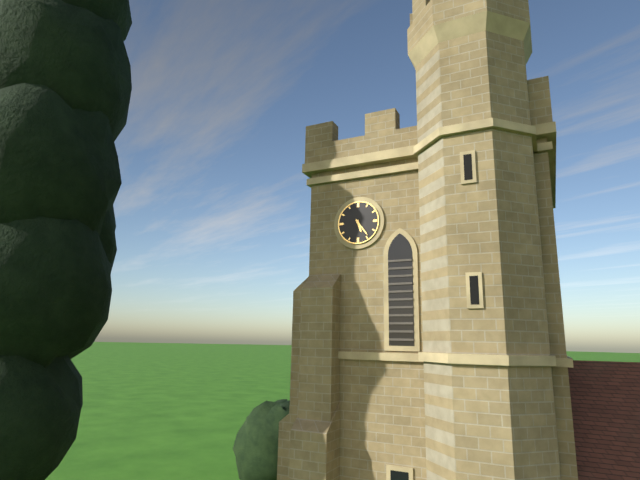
5:24
